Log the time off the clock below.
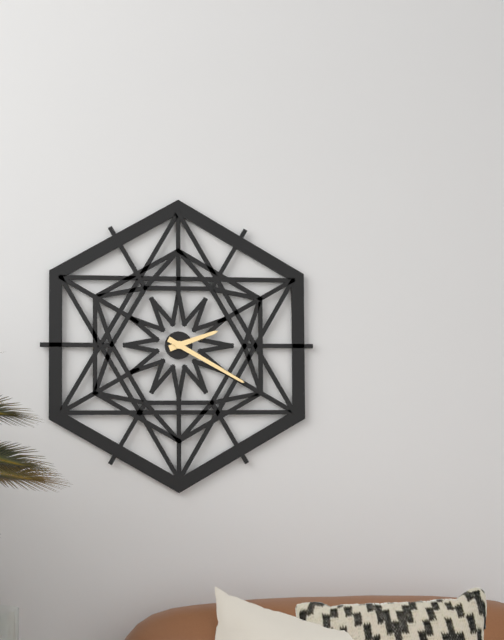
2:20
